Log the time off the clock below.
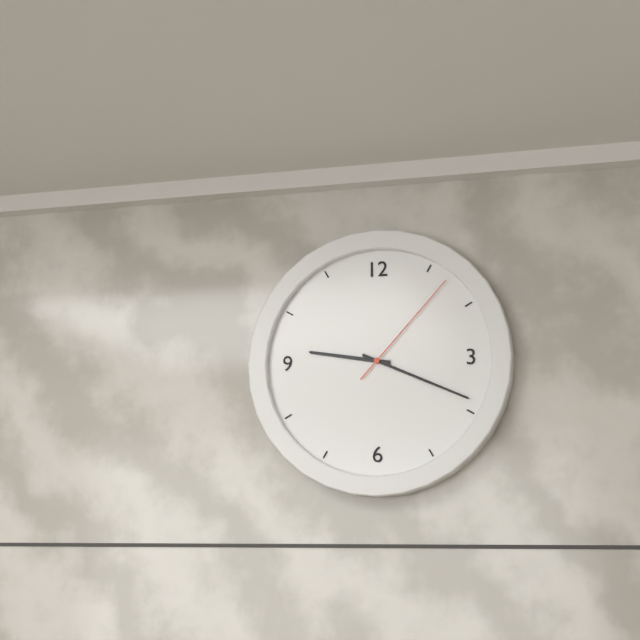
9:19:07
